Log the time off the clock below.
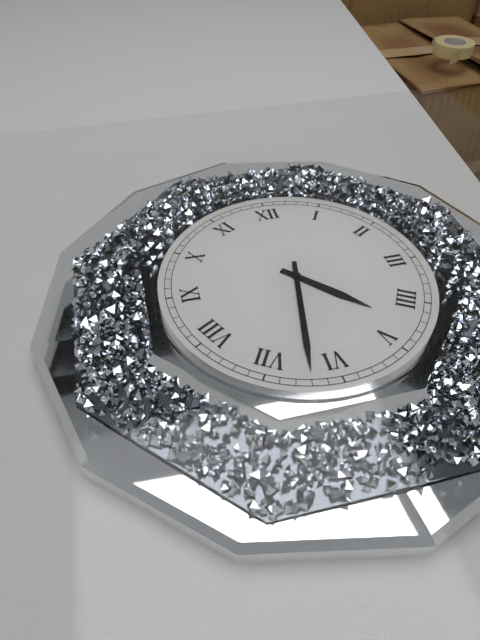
4:32
